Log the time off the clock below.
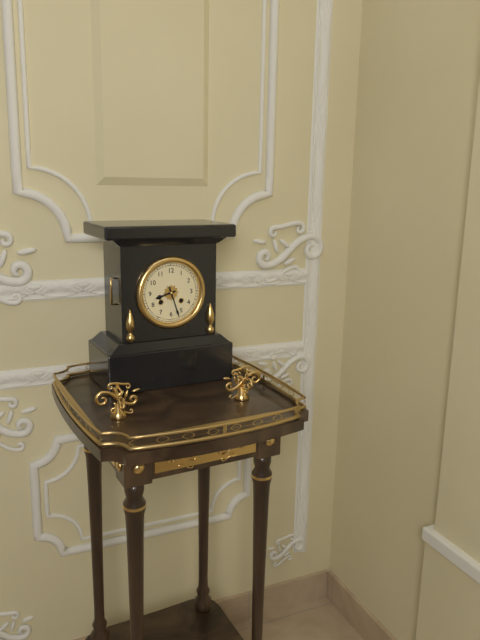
8:27
